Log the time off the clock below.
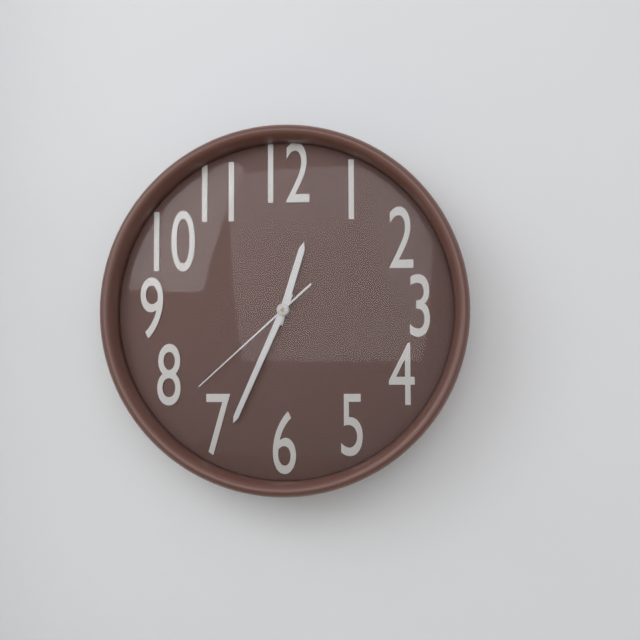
12:34:38
